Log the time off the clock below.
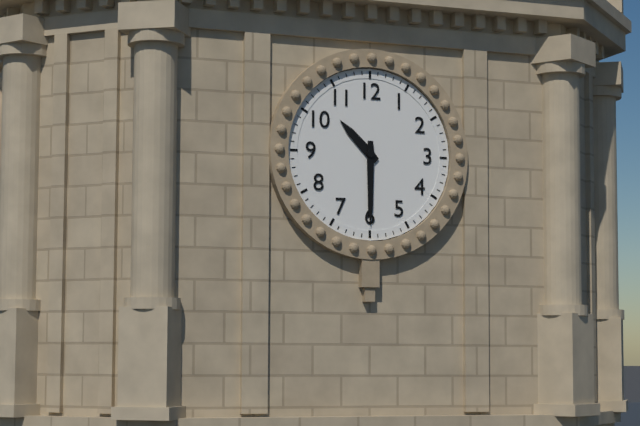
10:30
